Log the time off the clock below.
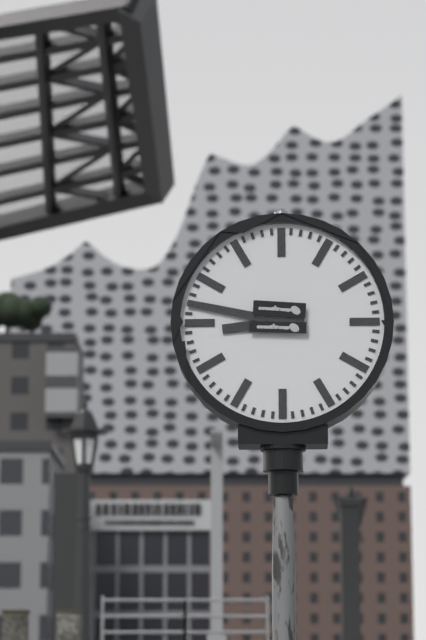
8:47
